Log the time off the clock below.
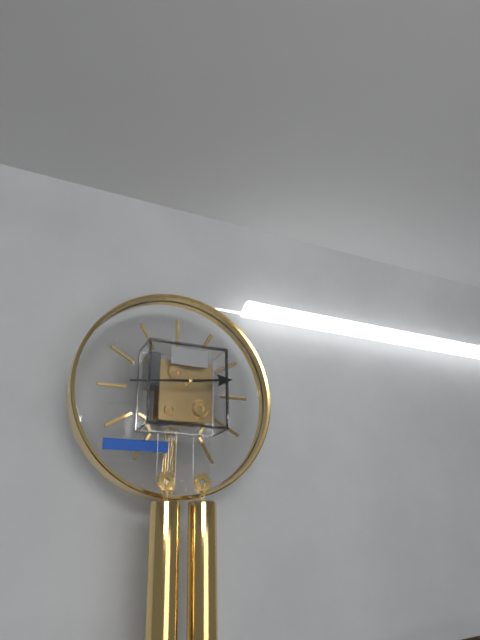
2:44
